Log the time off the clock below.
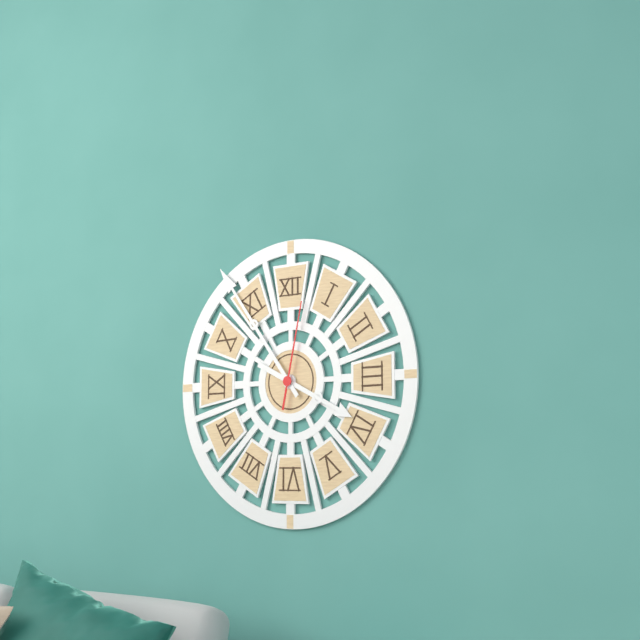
3:54:02
